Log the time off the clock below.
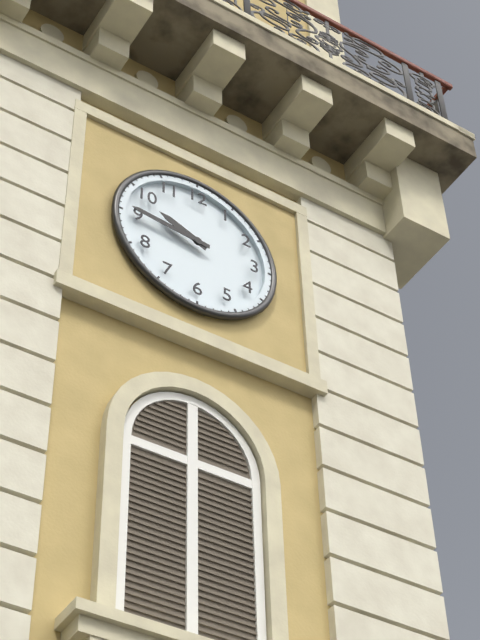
9:46
